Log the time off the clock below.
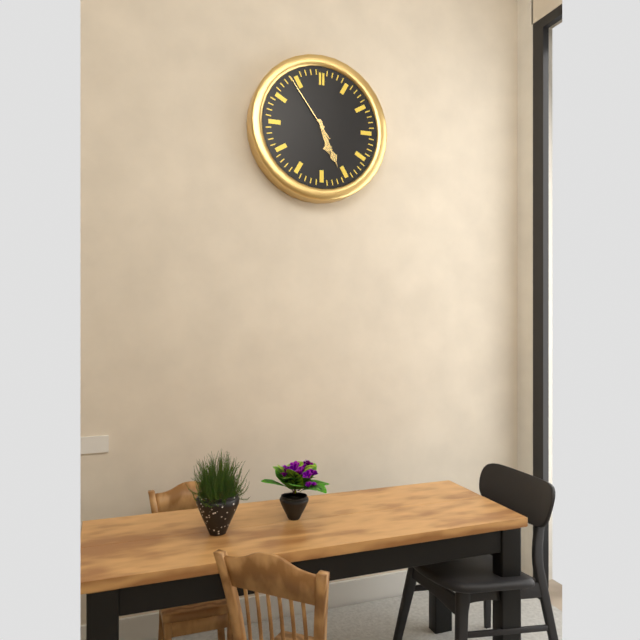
5:26:54
